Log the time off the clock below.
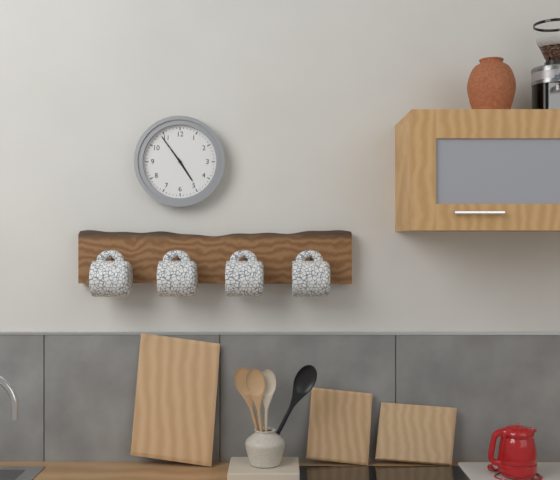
4:54
